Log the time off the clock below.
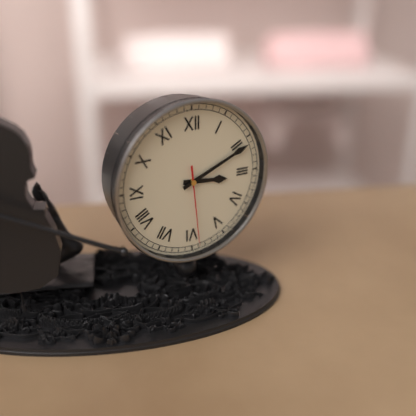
3:11:29
